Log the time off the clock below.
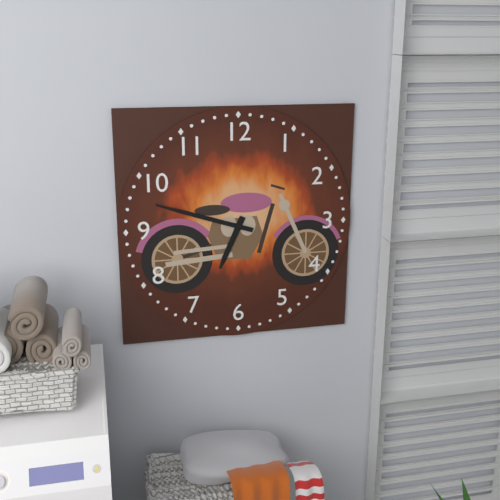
6:48
